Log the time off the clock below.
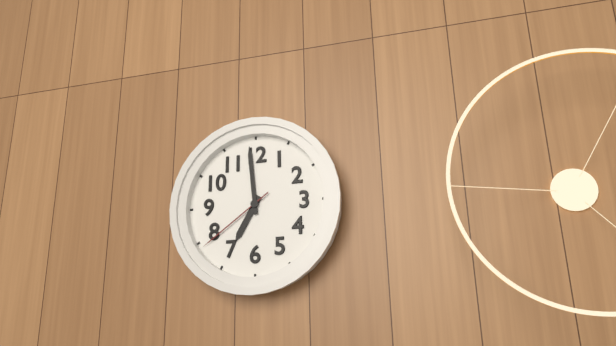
6:59:39
